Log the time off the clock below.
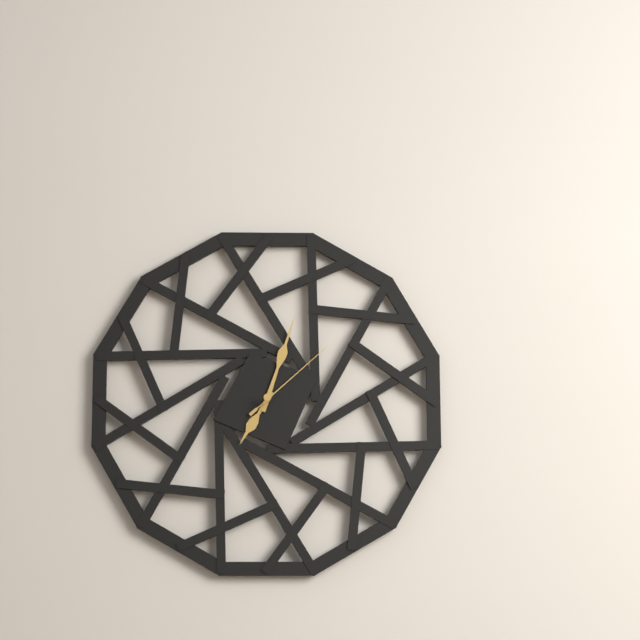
7:03:08
